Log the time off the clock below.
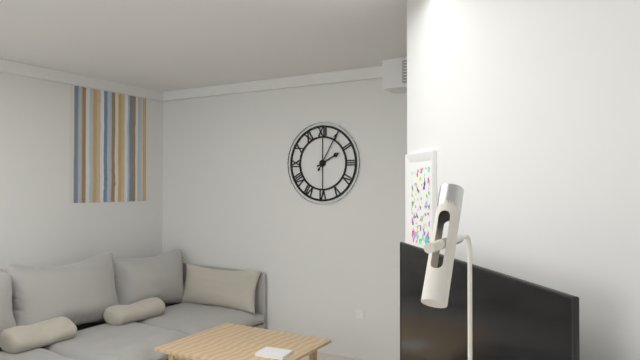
2:05
